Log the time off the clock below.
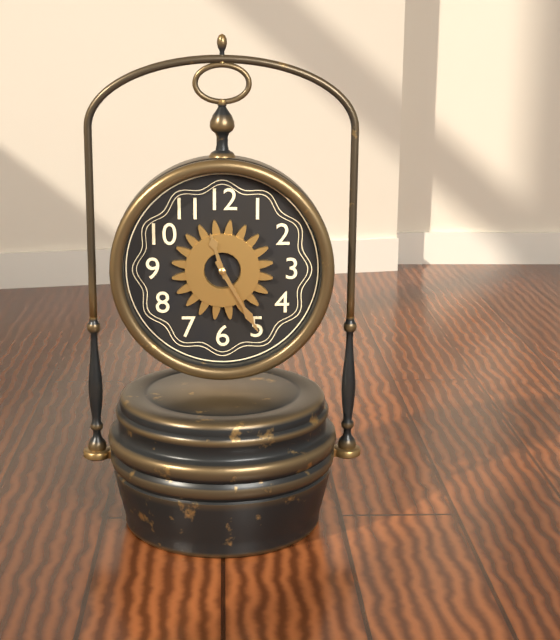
11:25
